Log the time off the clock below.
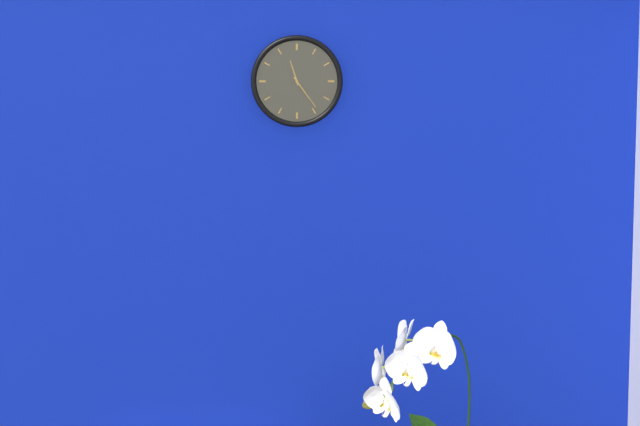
11:24
